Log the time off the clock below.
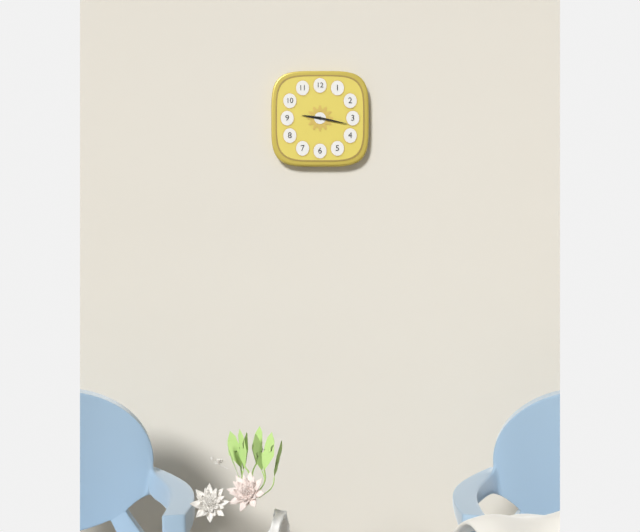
9:17
